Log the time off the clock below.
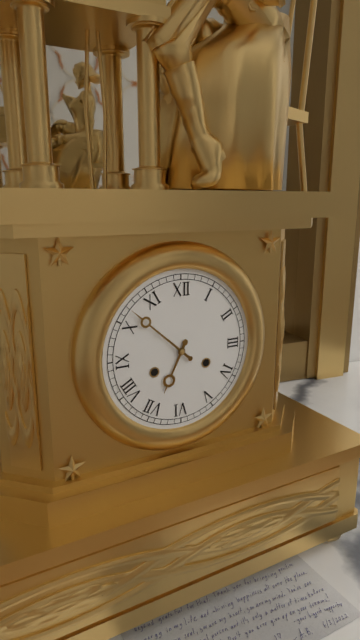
6:52
